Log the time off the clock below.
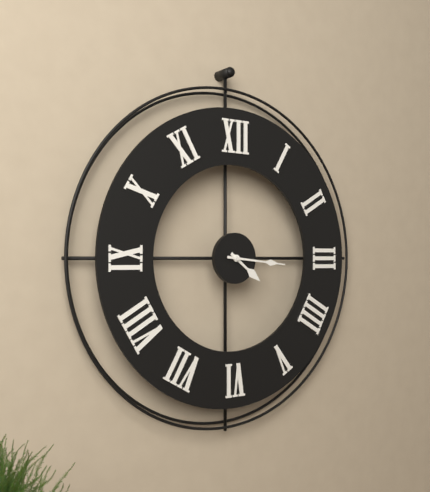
4:16
